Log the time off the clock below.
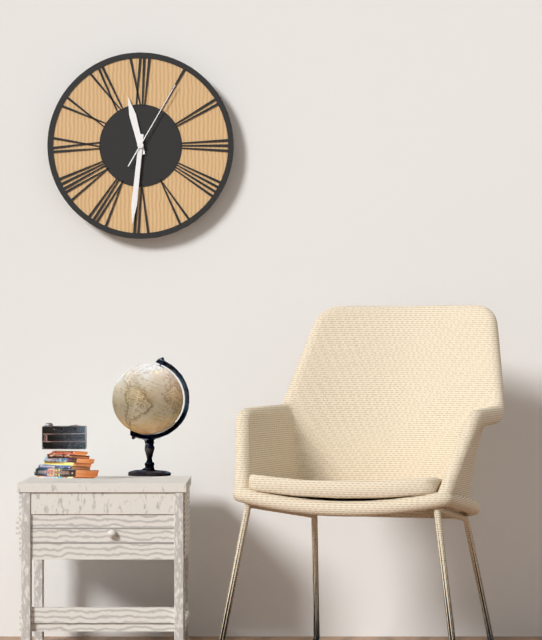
11:31:05
